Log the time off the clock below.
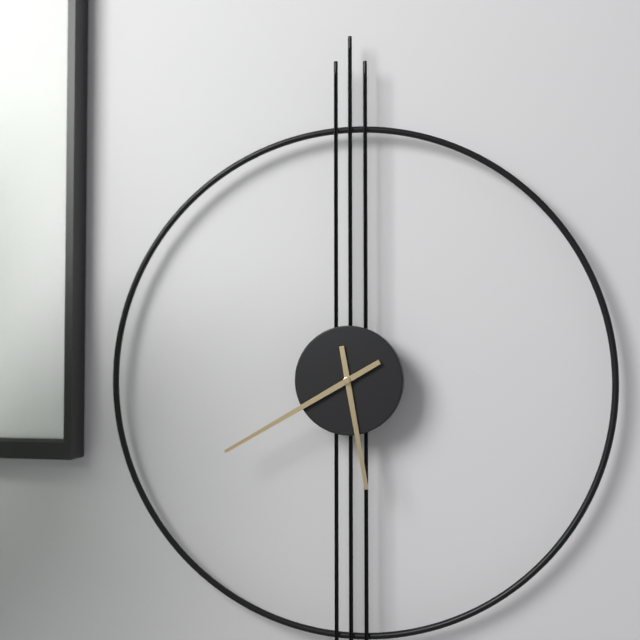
5:40
